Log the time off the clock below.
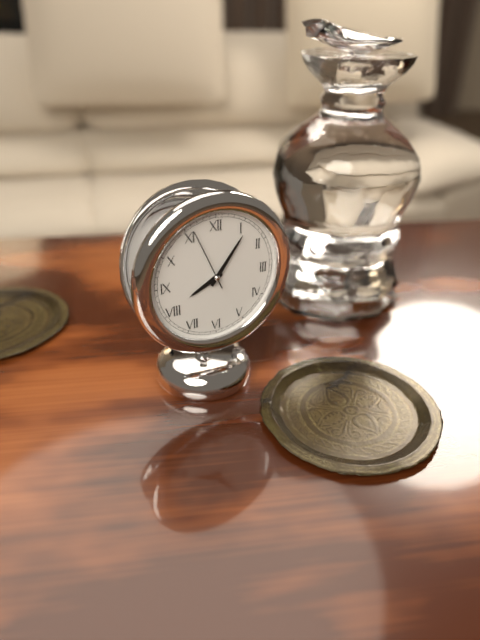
8:06:56
